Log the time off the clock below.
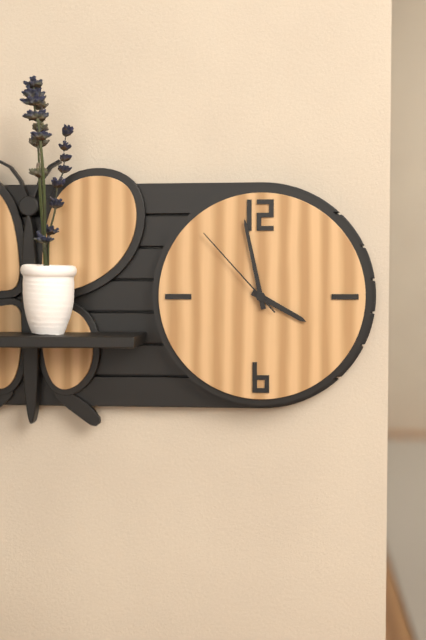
3:58:53
